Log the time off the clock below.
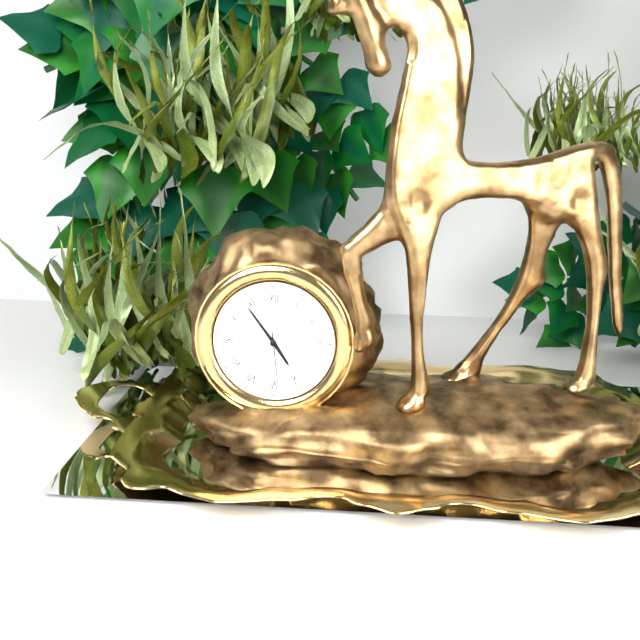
4:54:29
